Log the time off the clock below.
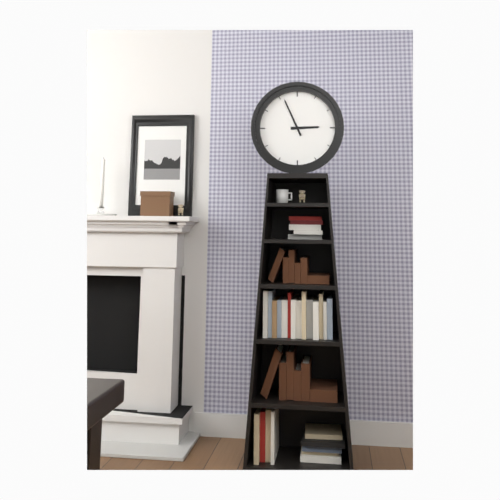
2:56
